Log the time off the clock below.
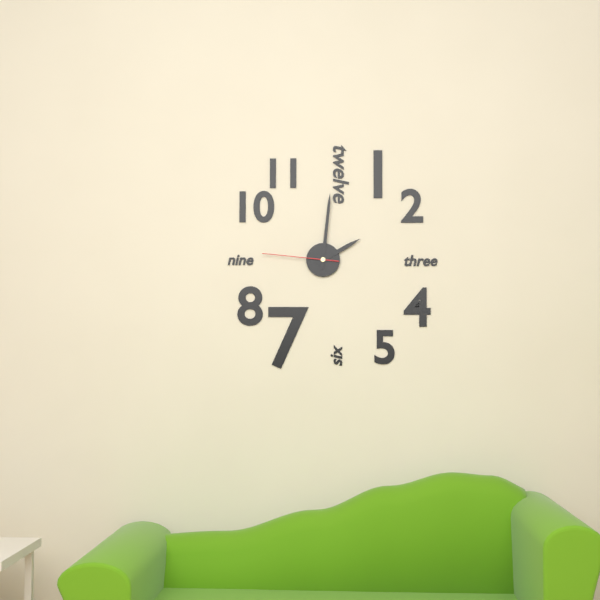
2:01:46
